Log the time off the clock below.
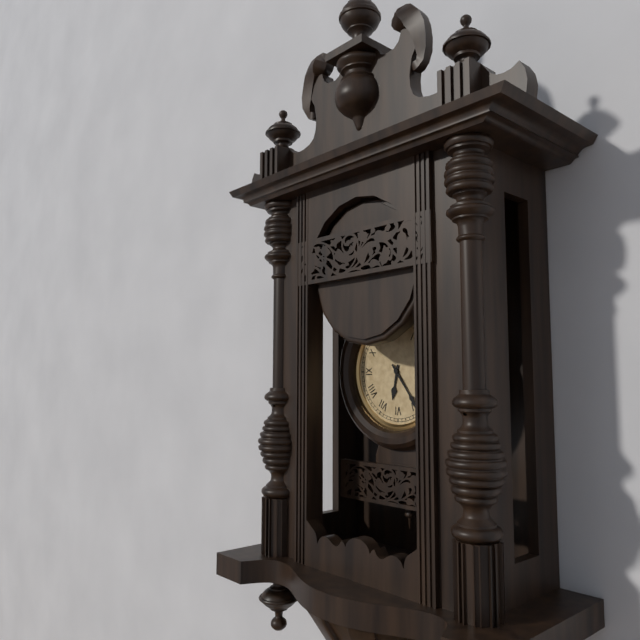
6:24
